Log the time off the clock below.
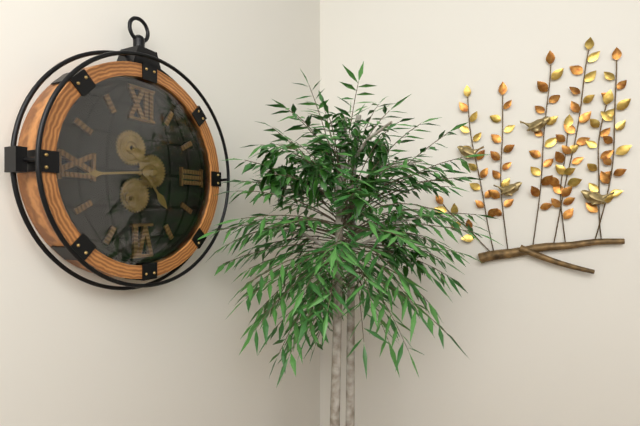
4:44
